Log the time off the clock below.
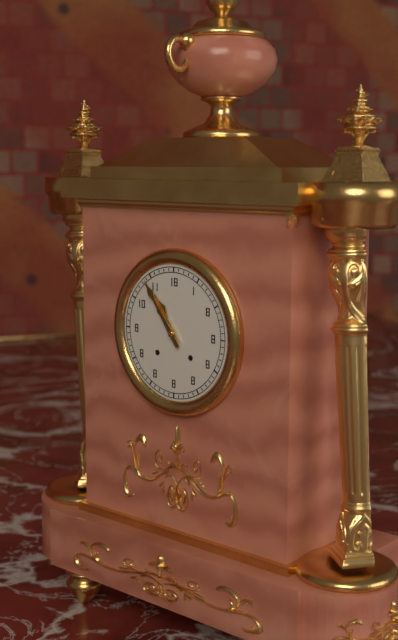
10:54
